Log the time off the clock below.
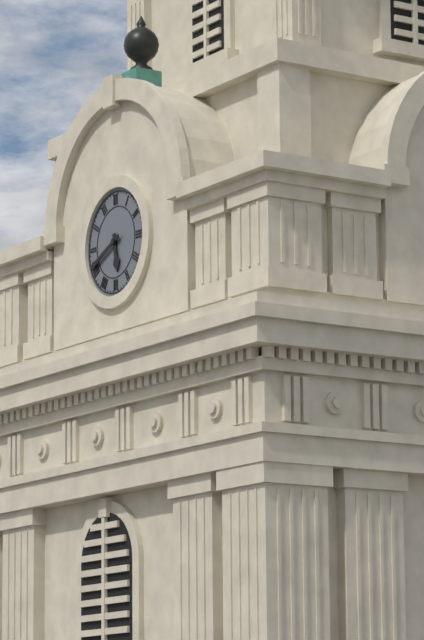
5:41
